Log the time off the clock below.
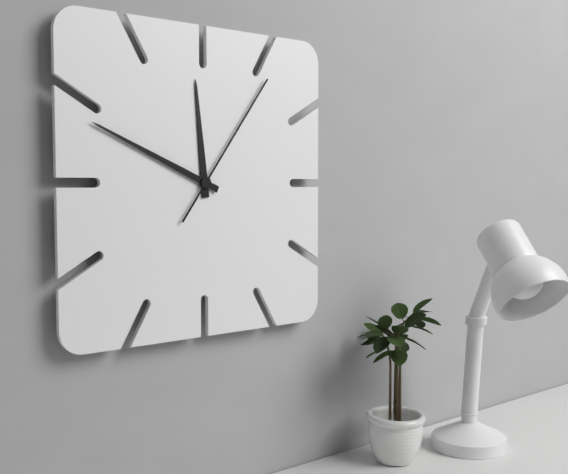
11:49:06
